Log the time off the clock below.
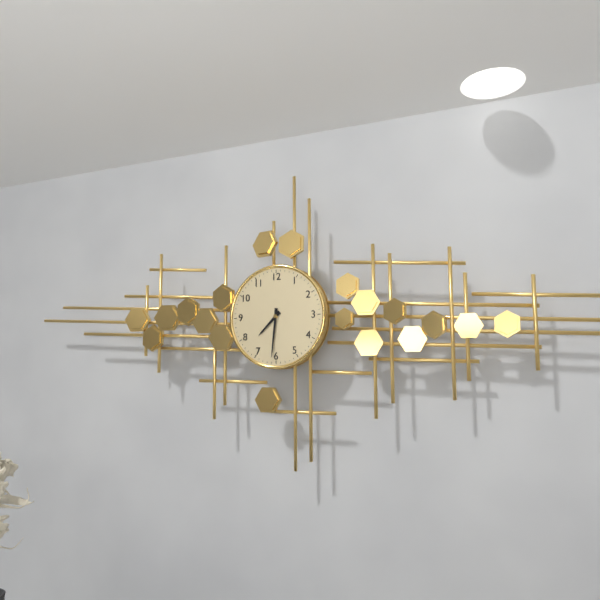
7:31
